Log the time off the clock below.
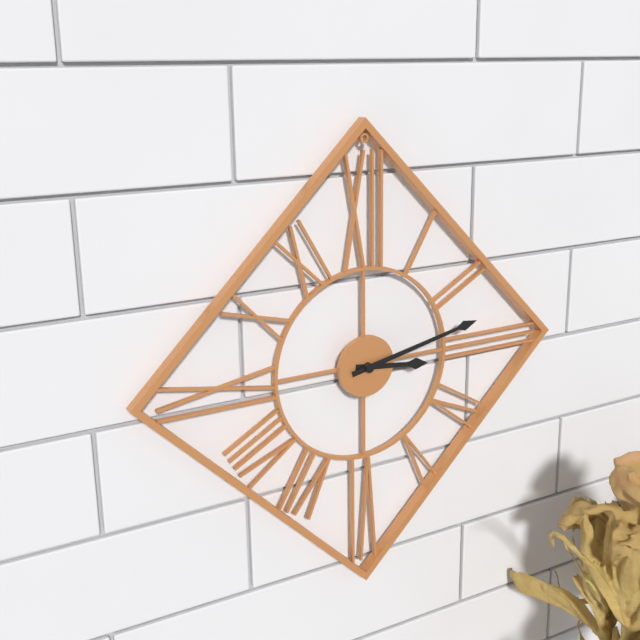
3:13
